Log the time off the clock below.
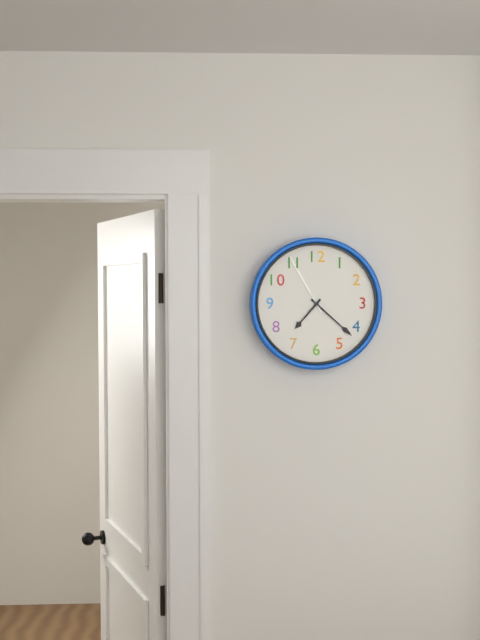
7:22:55
